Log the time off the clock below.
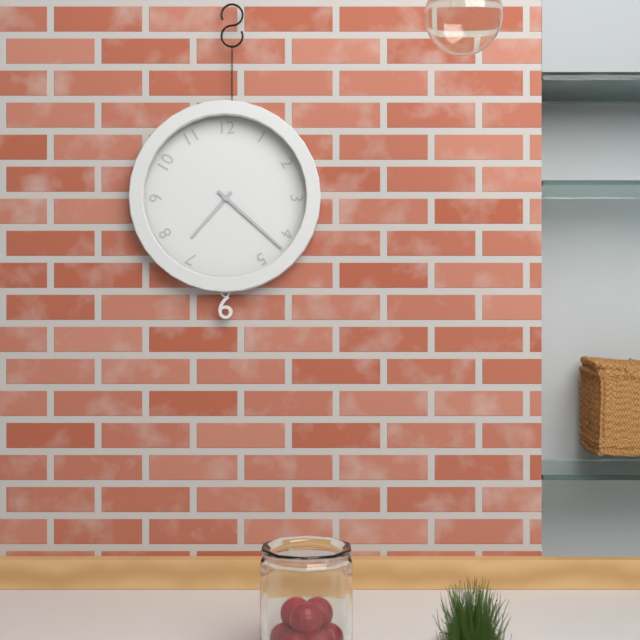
7:22
